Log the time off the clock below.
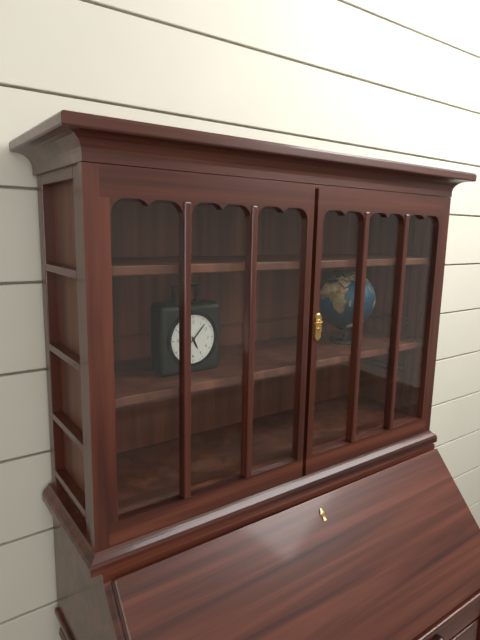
5:07
